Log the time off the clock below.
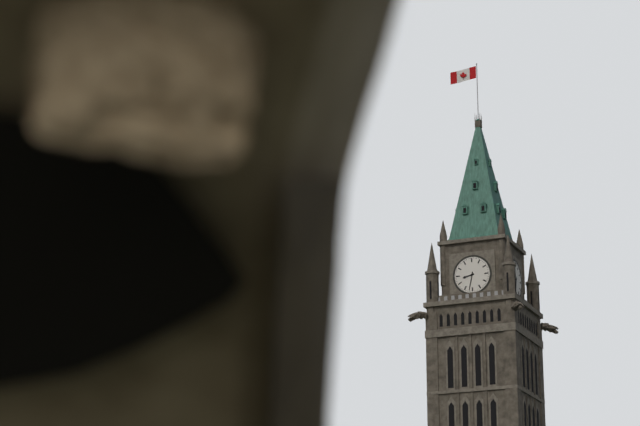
8:32
